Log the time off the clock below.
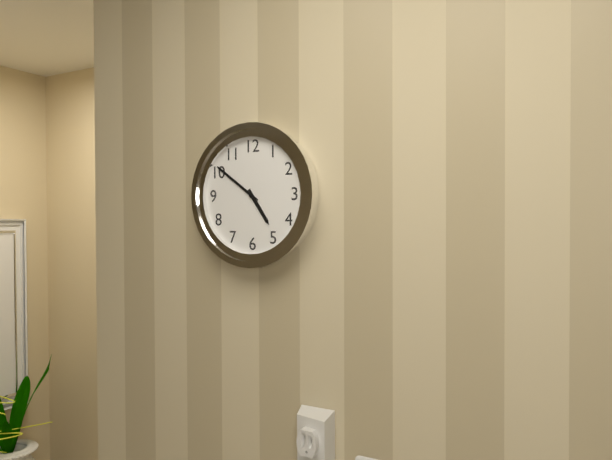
4:51
